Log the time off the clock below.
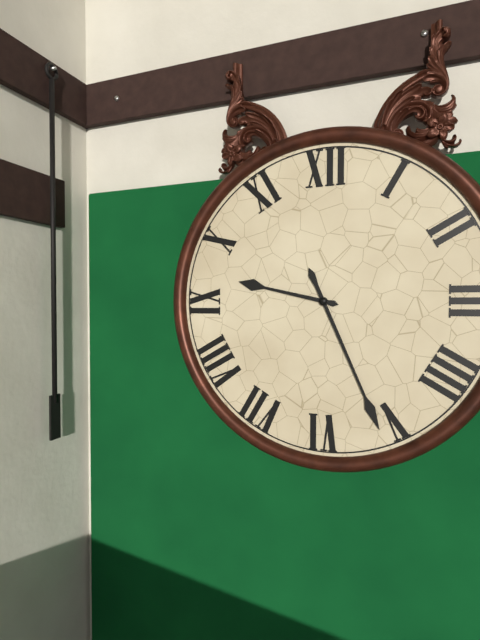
9:26
